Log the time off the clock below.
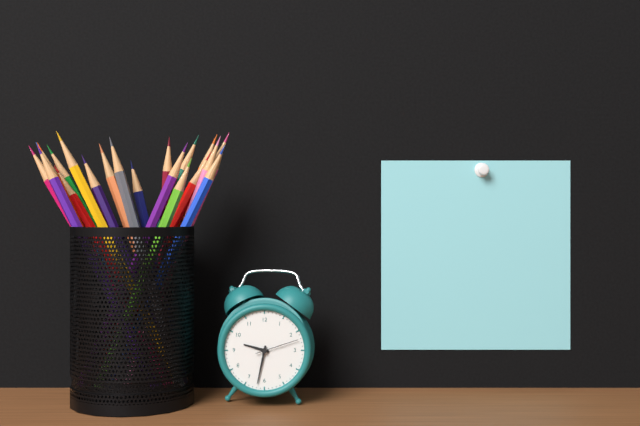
9:32
